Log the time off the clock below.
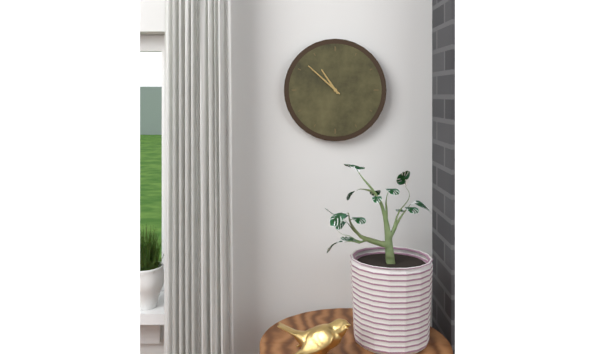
10:52
